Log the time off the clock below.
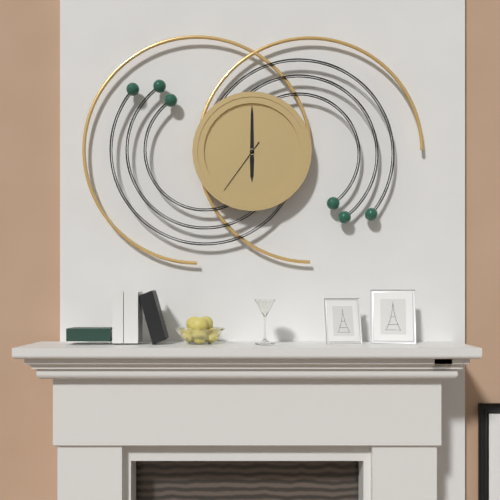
6:00:36
